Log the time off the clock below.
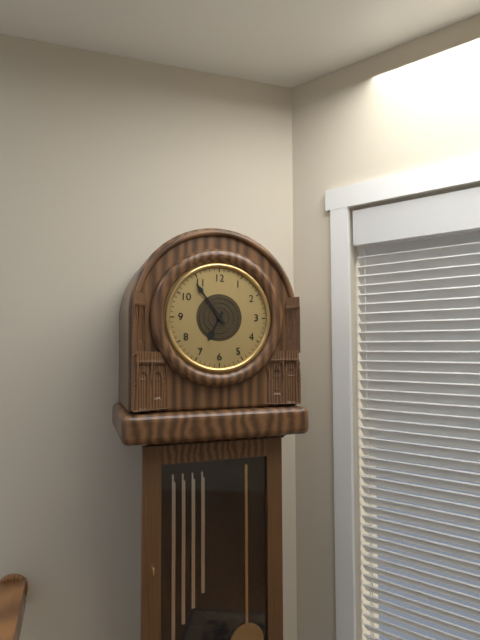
6:54
